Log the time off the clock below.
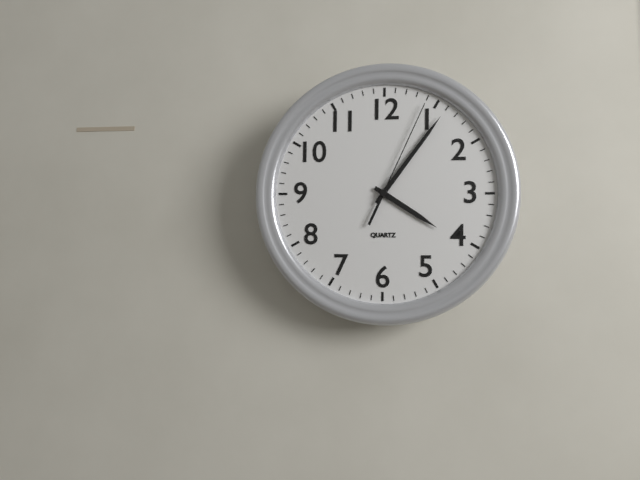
4:06:04
